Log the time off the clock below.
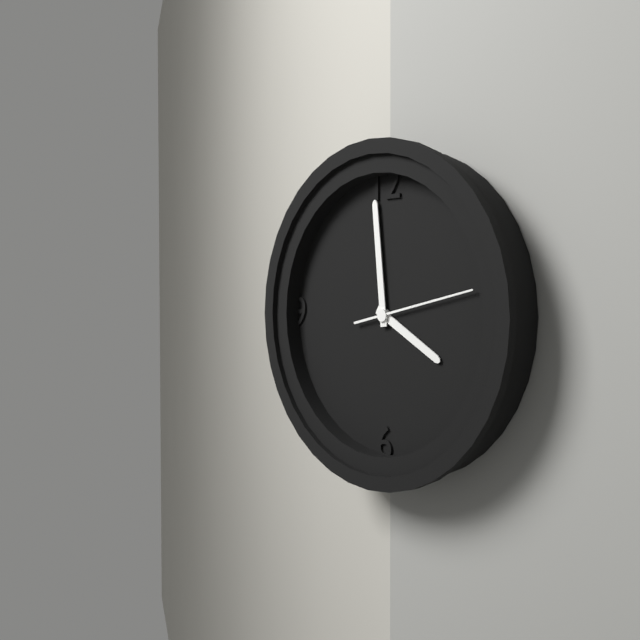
3:59:13
